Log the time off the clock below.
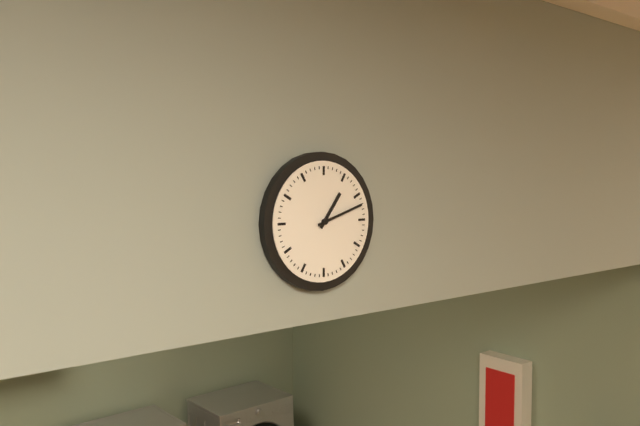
1:12
